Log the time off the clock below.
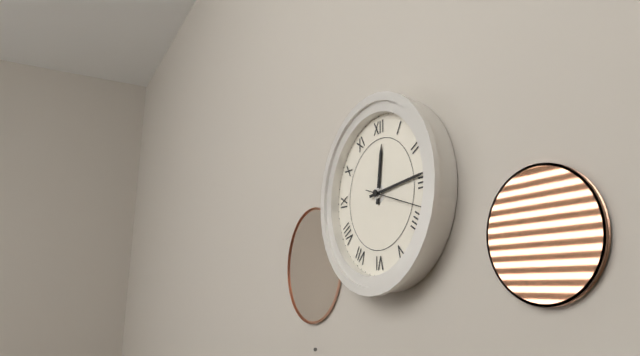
12:14:18
